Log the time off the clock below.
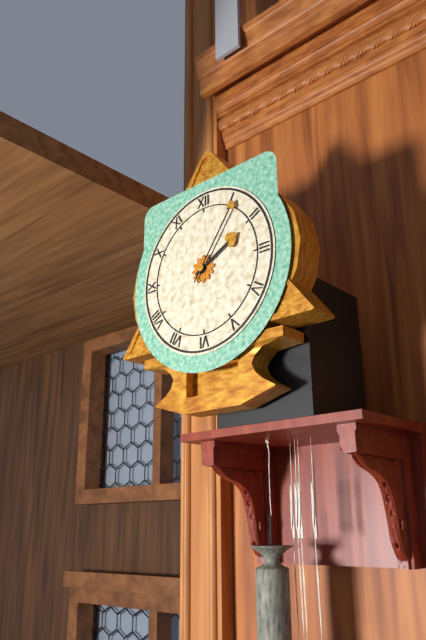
2:06
